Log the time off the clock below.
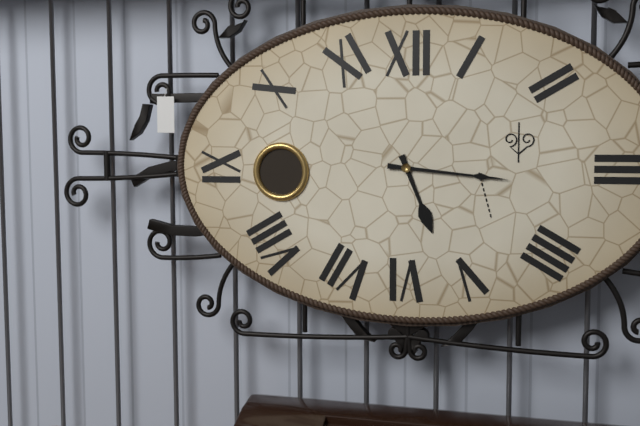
5:16
